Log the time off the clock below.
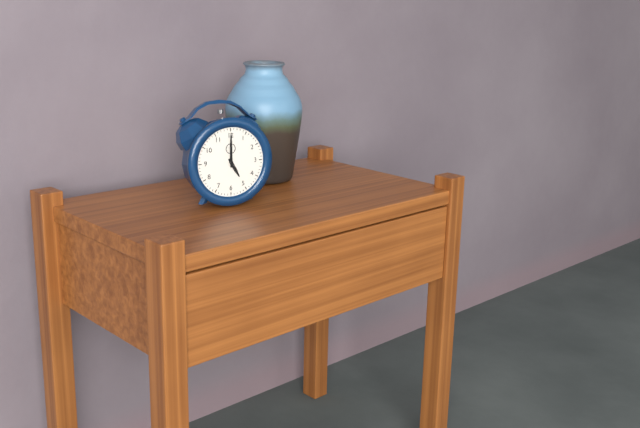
5:00
